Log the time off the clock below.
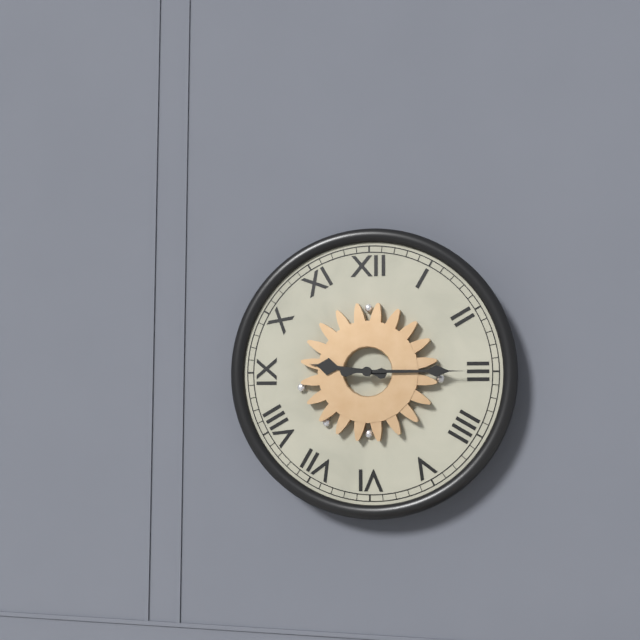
9:15
